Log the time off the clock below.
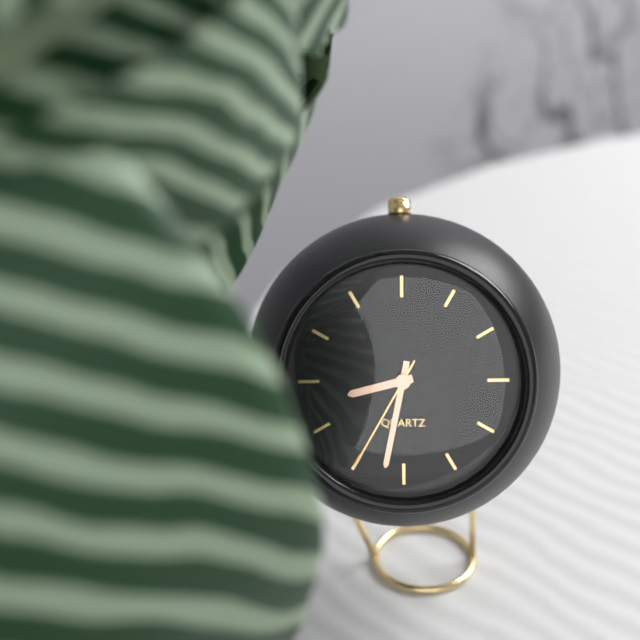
8:32:35
